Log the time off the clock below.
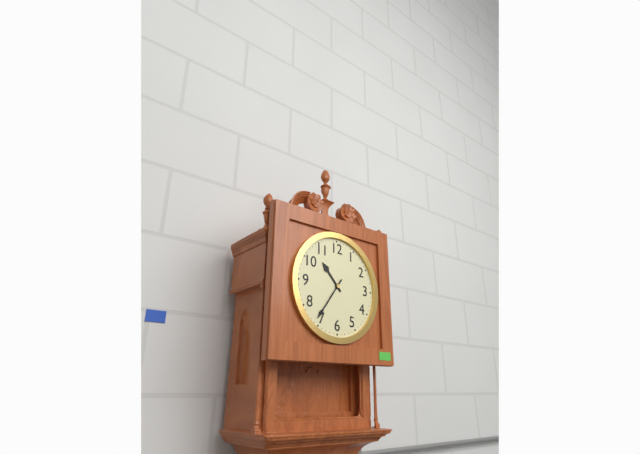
10:36
